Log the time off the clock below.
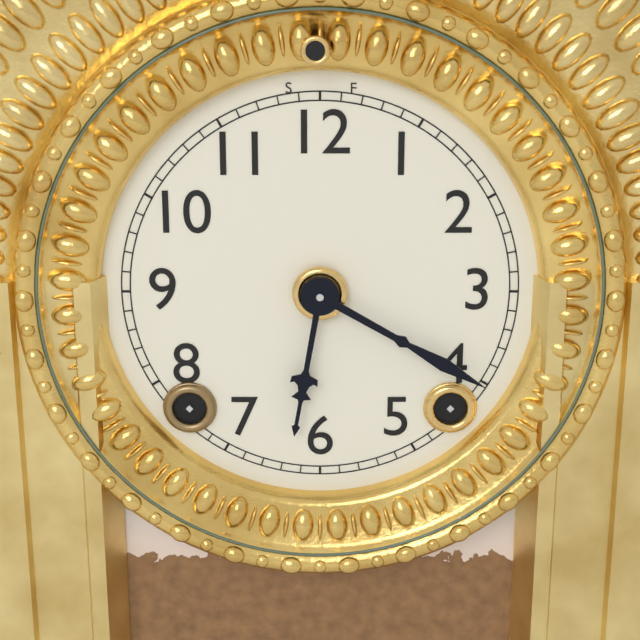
6:20
